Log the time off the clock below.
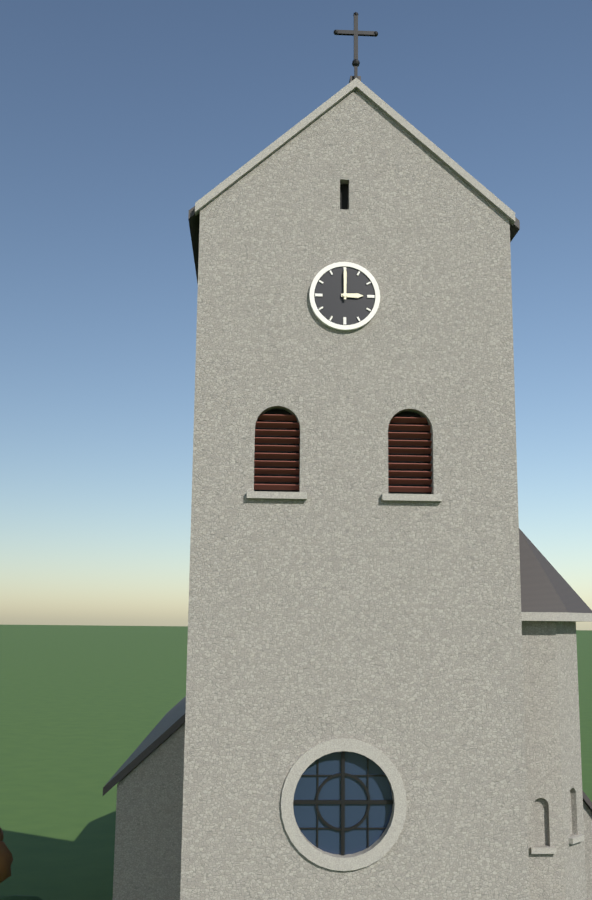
3:00
